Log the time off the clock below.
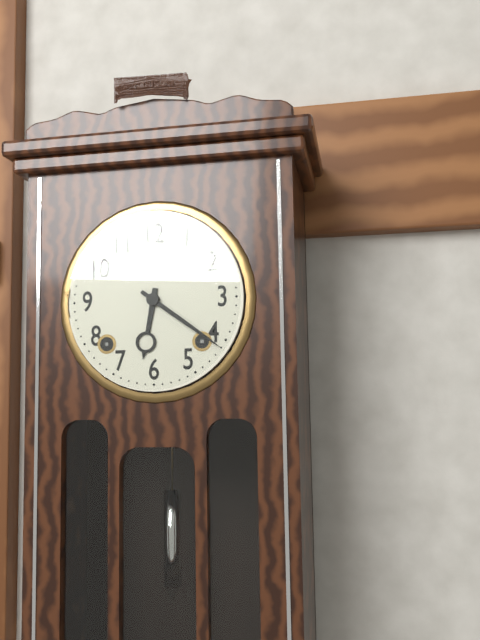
6:21
